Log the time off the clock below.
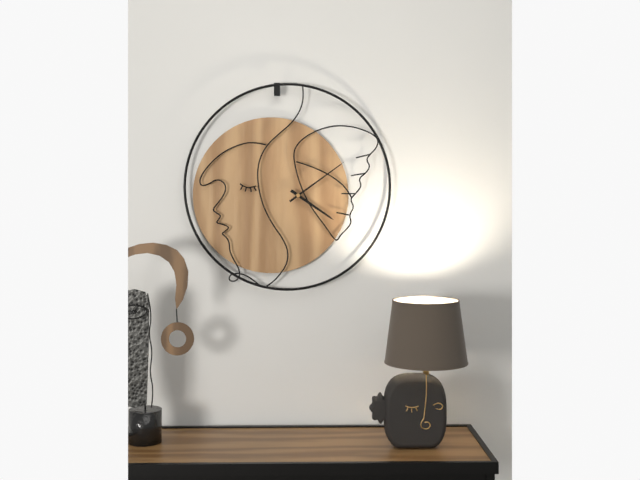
4:09
